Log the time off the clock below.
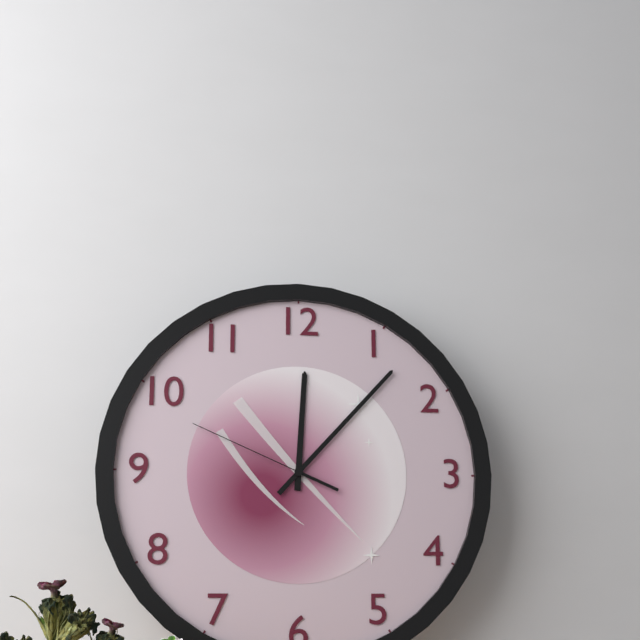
12:07:49
